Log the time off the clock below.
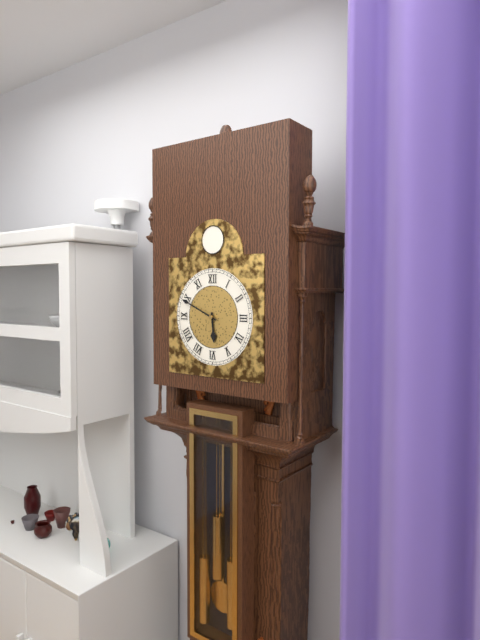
5:49
